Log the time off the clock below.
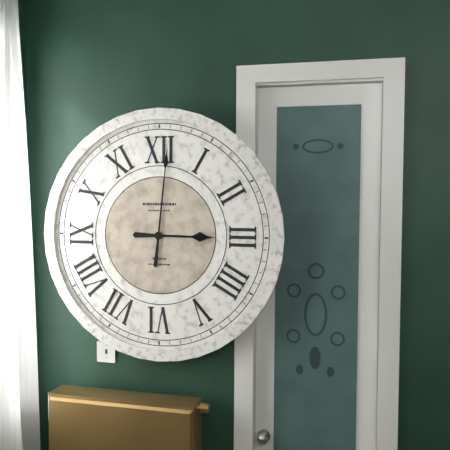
3:01
